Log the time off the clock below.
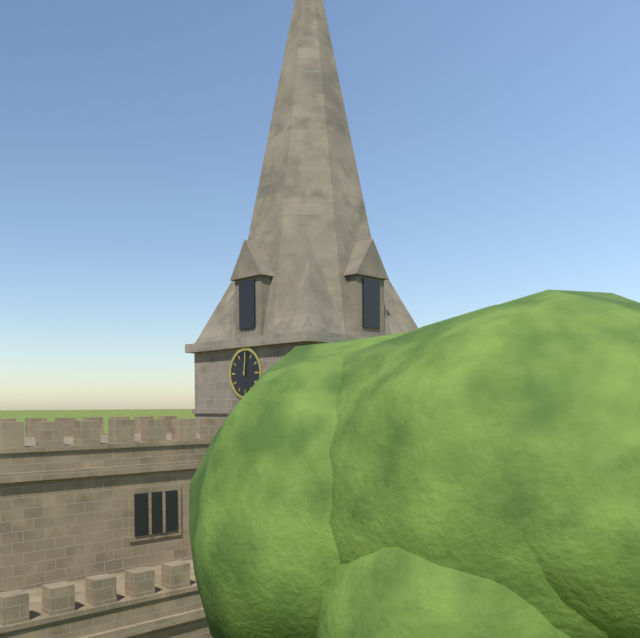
12:01
